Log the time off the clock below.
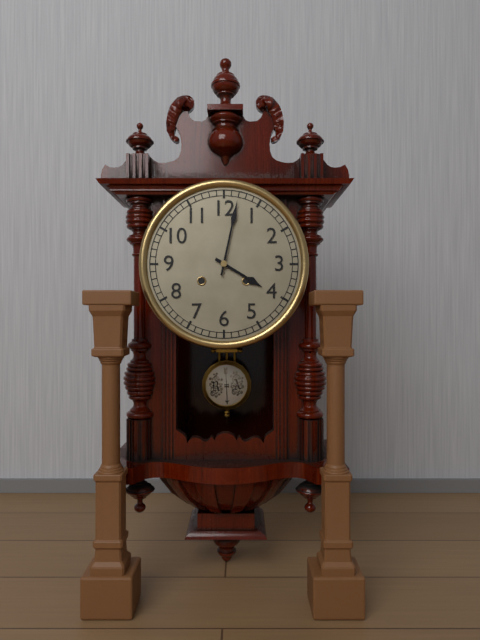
4:02
